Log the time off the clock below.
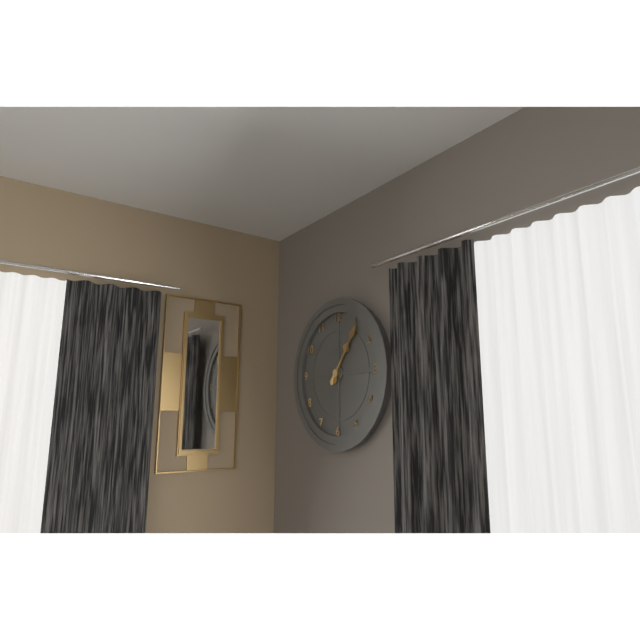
1:06
